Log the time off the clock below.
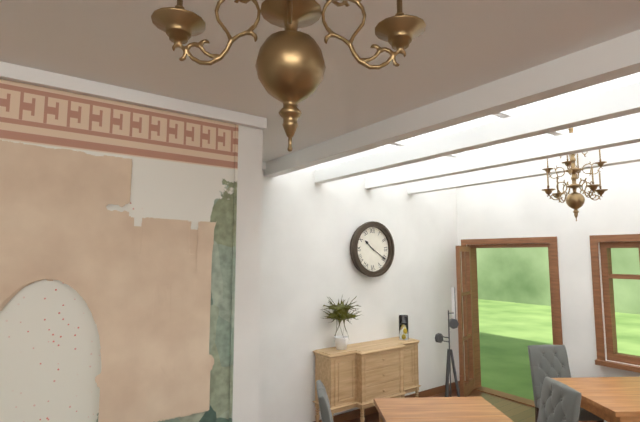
10:20
